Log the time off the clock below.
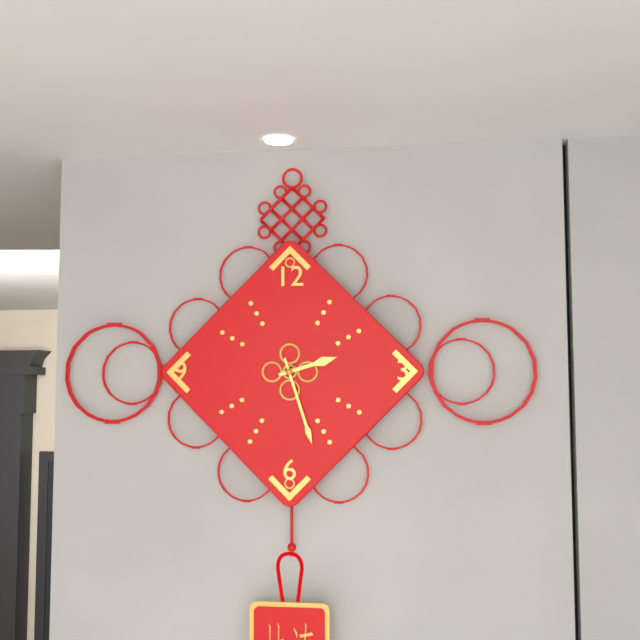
2:27
